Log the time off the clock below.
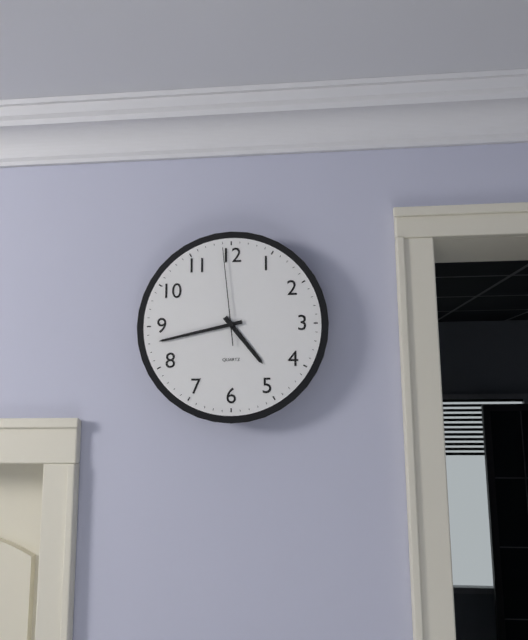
4:43:59
